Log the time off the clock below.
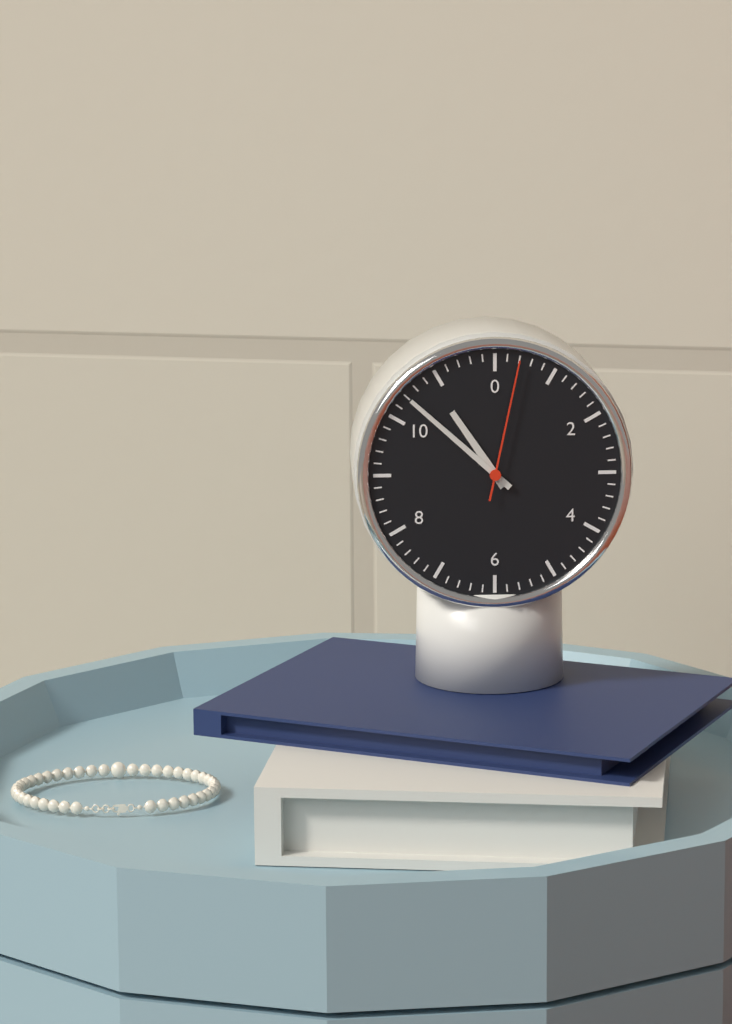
10:52:02
